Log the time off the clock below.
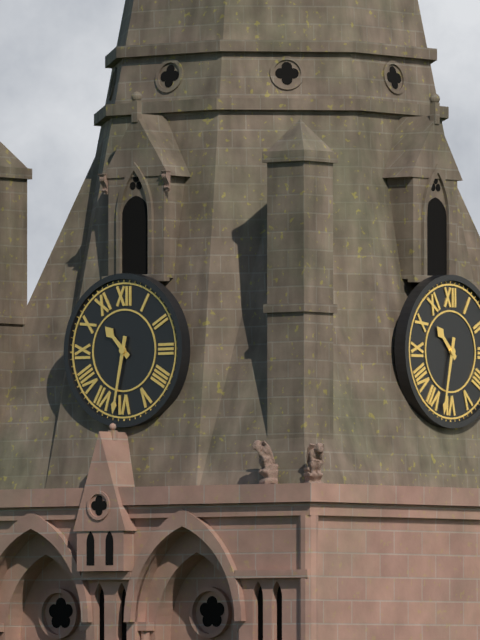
10:32
